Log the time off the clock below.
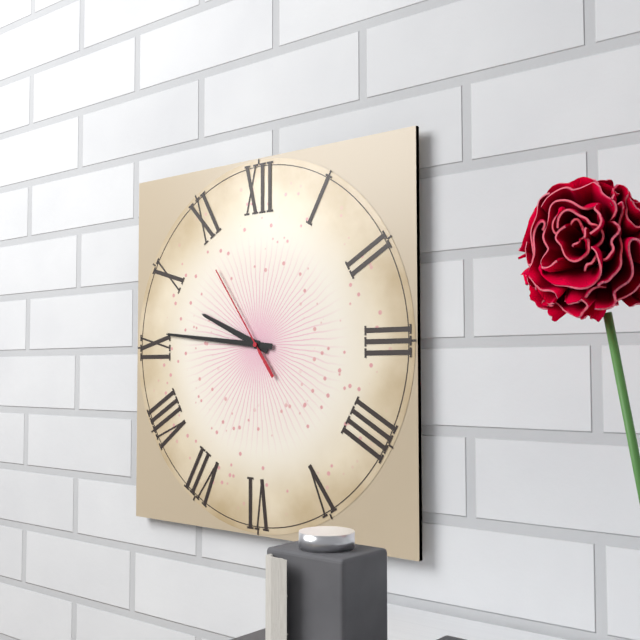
9:46:54
